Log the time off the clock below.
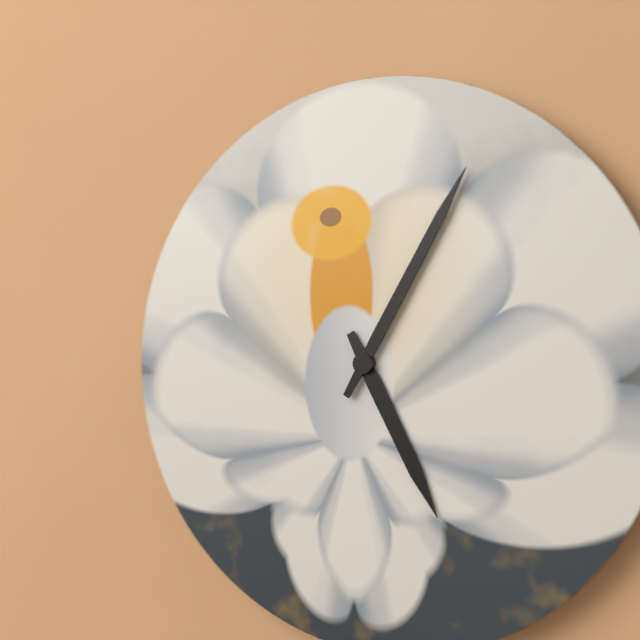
5:05
